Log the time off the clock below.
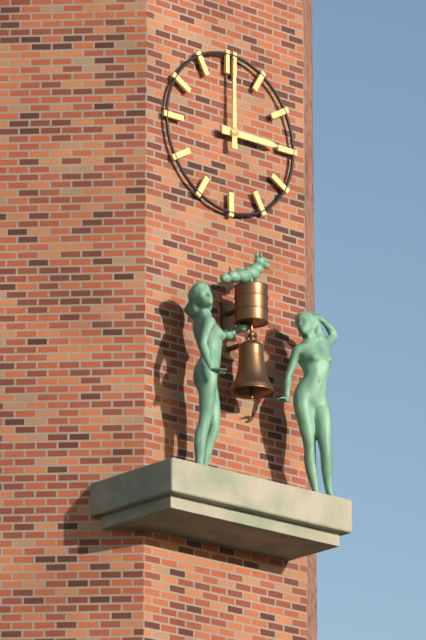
3:00
